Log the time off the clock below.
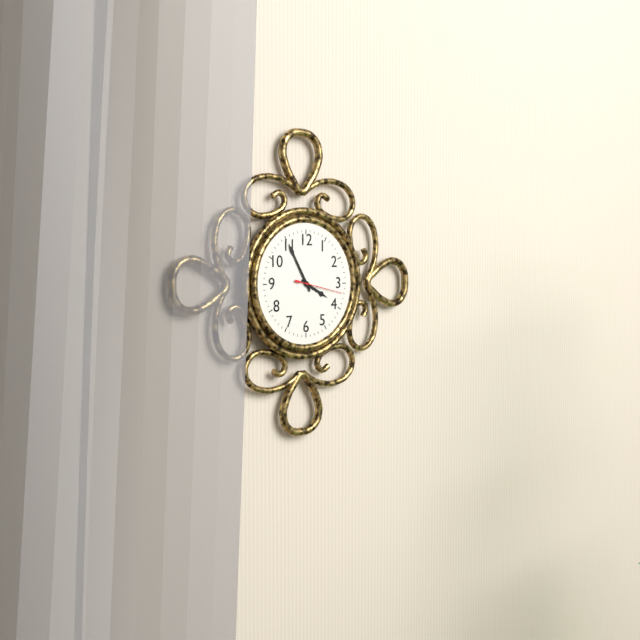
3:55
